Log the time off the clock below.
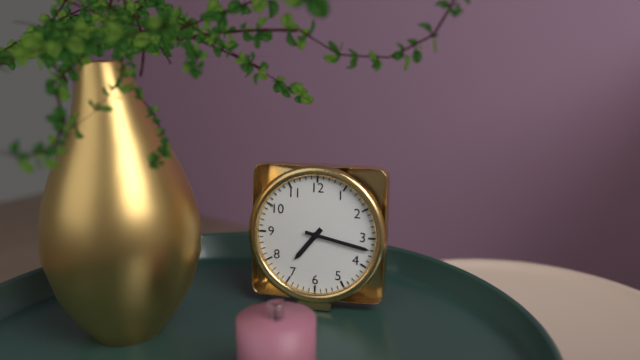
7:17
